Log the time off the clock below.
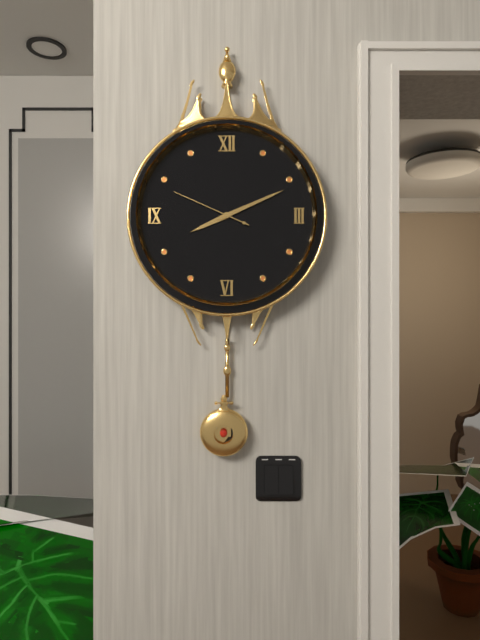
8:11:49
